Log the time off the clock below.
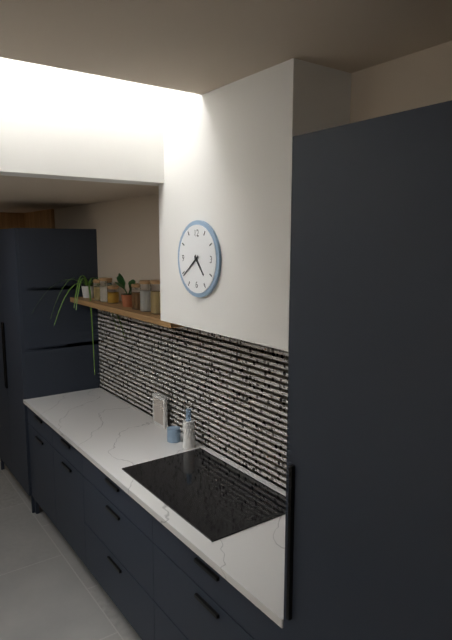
4:39
